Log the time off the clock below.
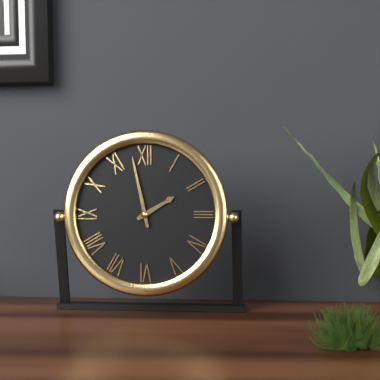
1:58
